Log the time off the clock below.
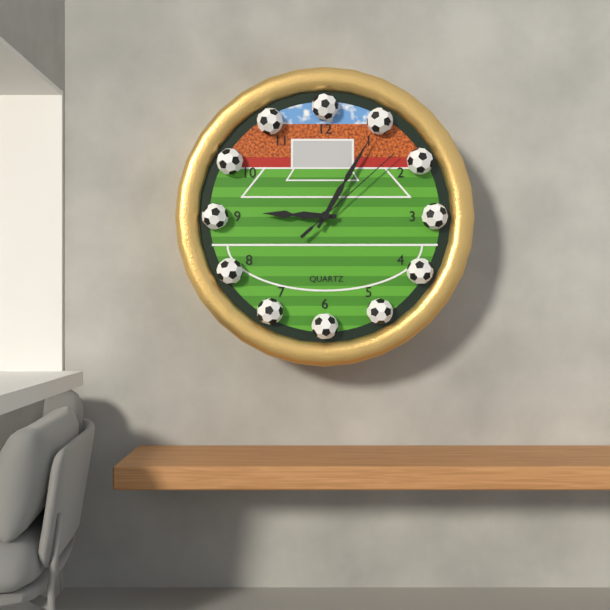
9:05:08
